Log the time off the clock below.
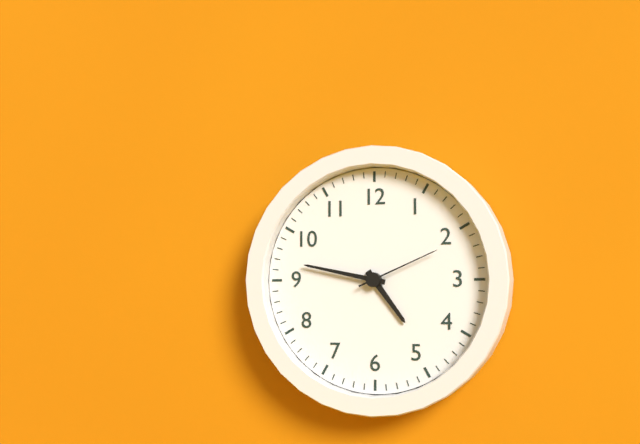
4:47:11
